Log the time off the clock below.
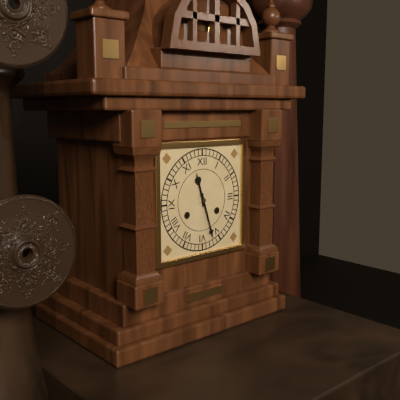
11:27
